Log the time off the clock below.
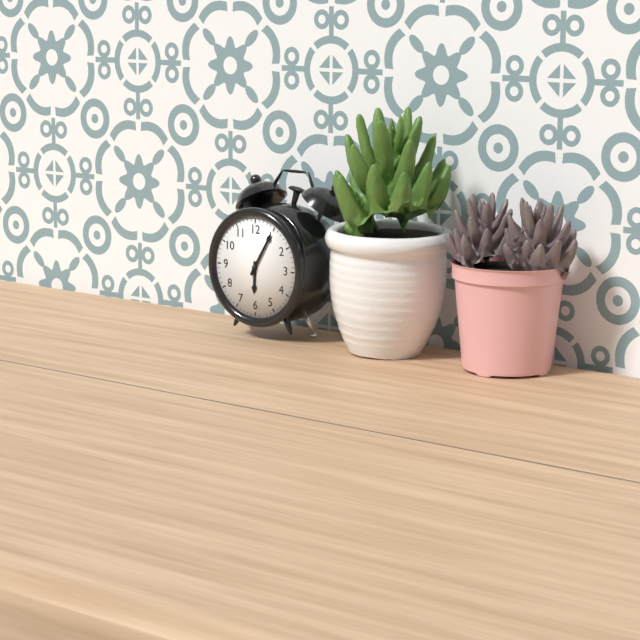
6:05
